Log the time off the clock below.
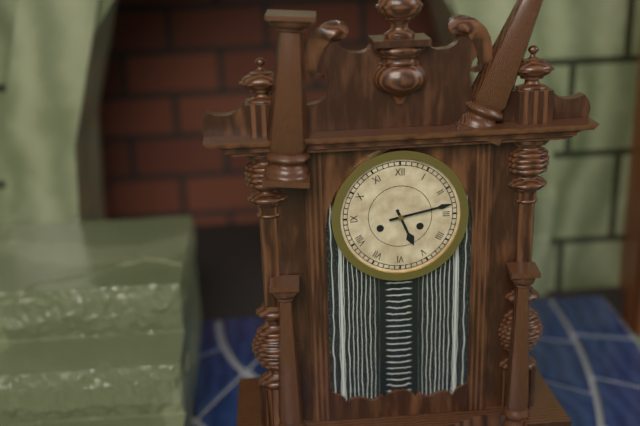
5:13
